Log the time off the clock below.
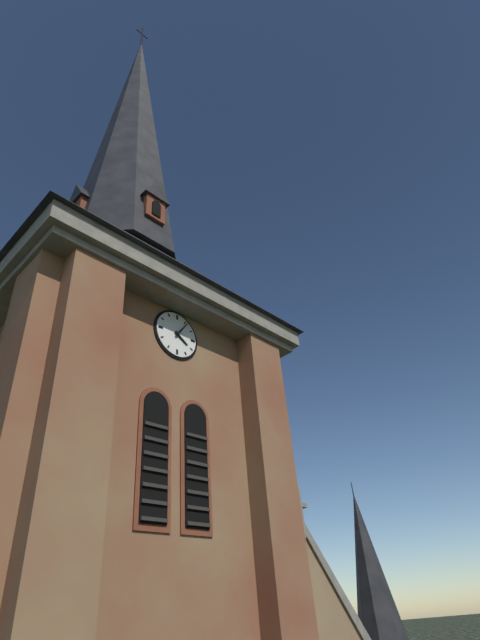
4:06
